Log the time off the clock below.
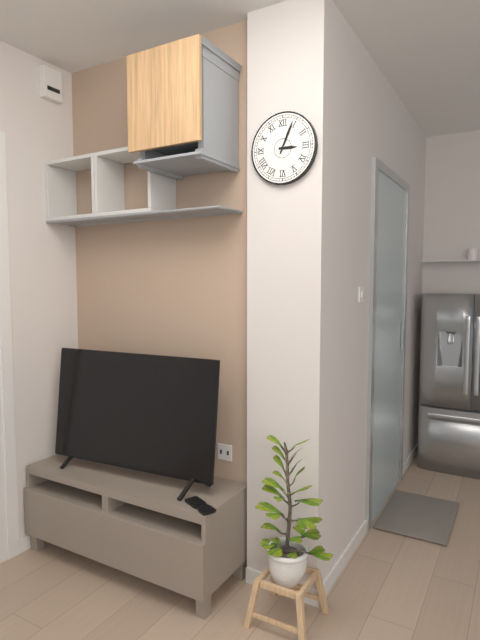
3:04
